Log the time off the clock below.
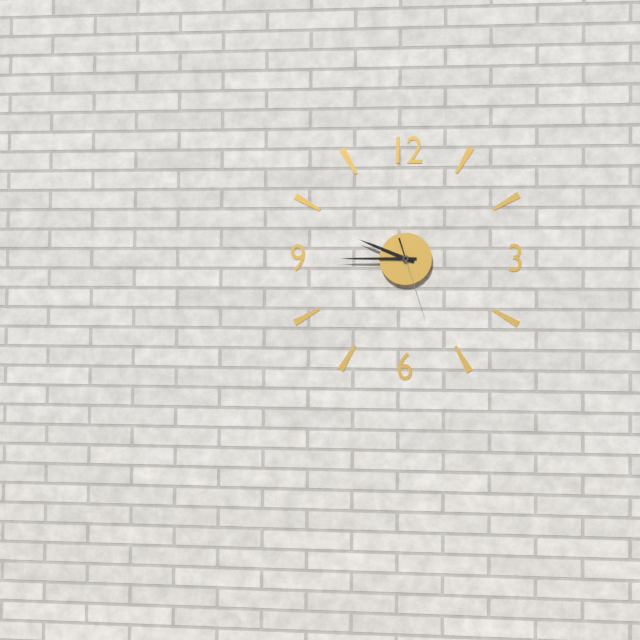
9:45:27
